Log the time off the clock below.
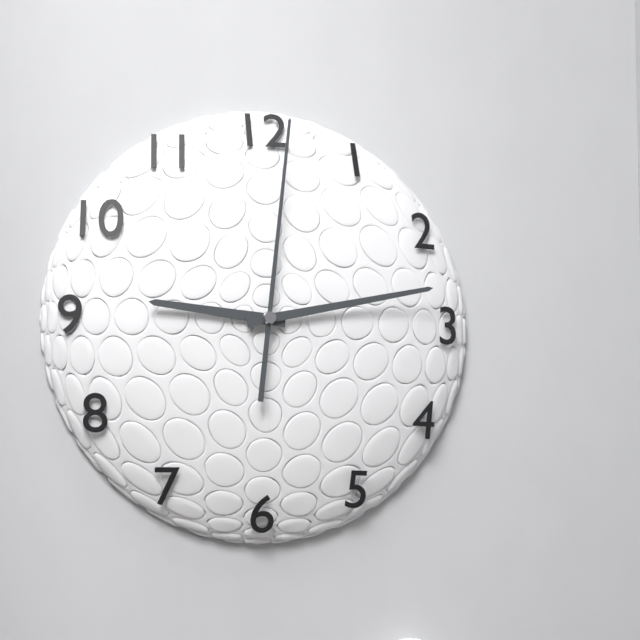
9:13:01
